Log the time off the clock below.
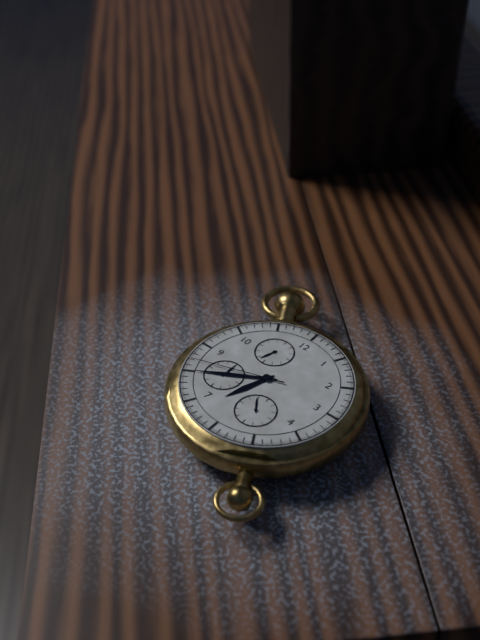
6:40:42
